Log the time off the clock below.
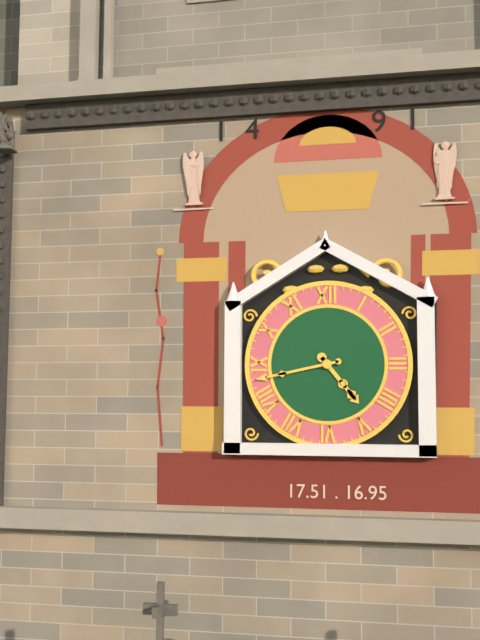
4:43
